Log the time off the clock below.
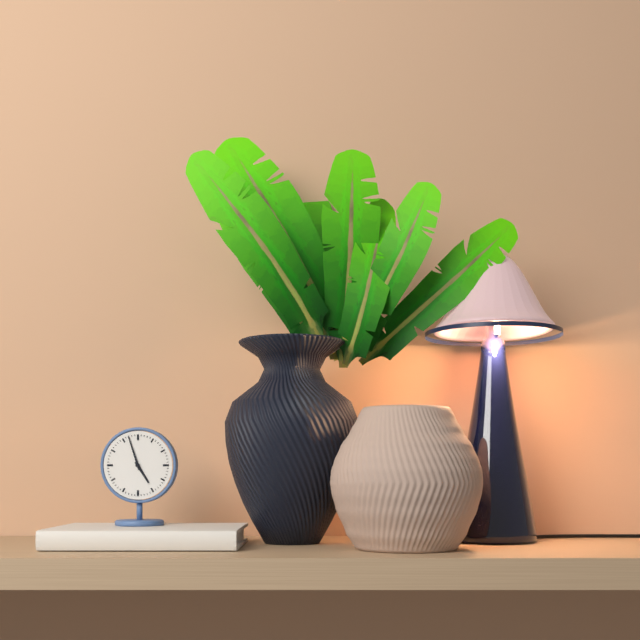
4:57
